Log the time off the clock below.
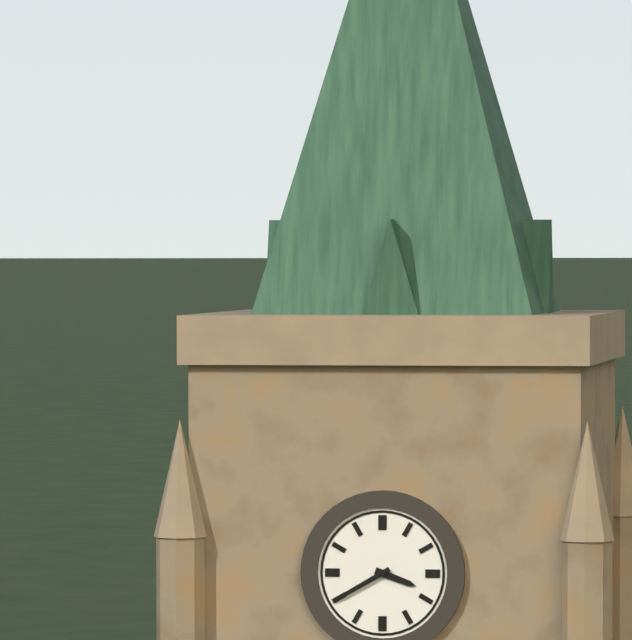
3:40
